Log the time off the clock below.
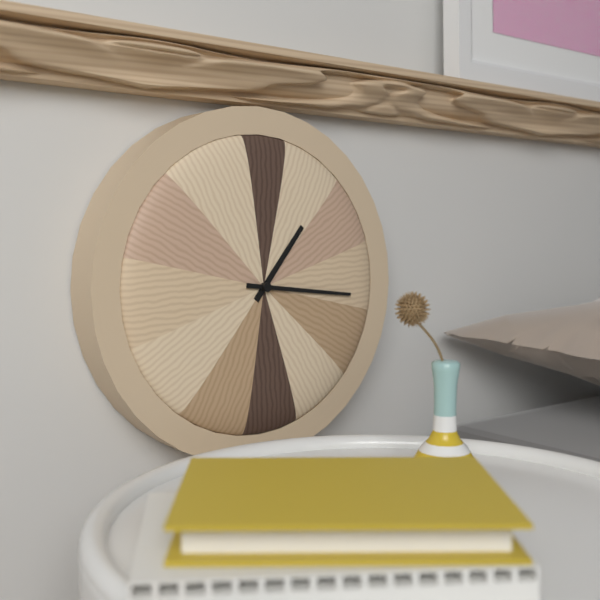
1:16
